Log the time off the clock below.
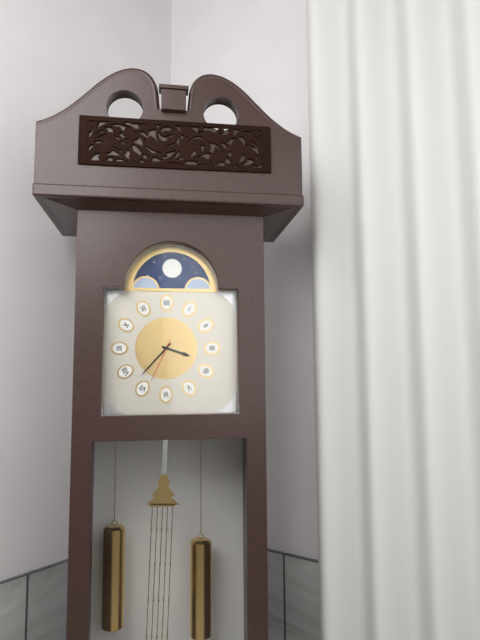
3:37
